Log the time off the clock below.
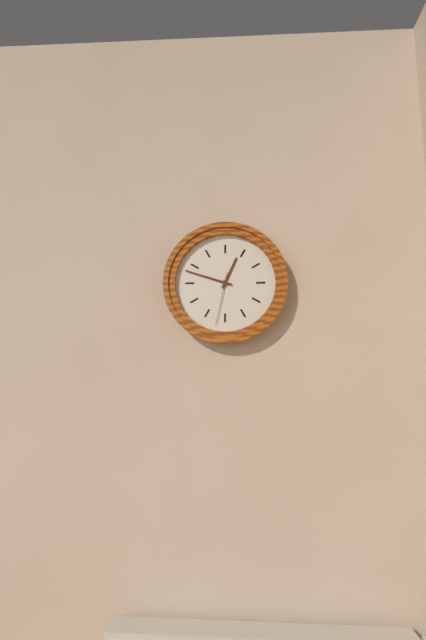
12:48:32
